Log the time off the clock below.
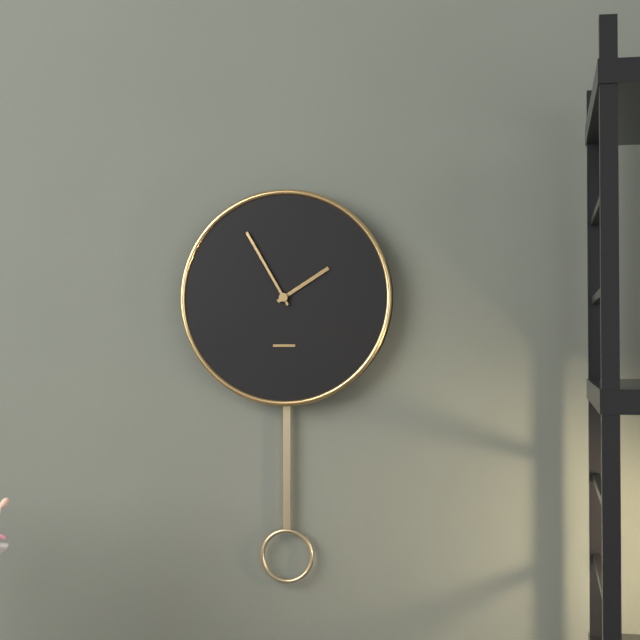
1:55
